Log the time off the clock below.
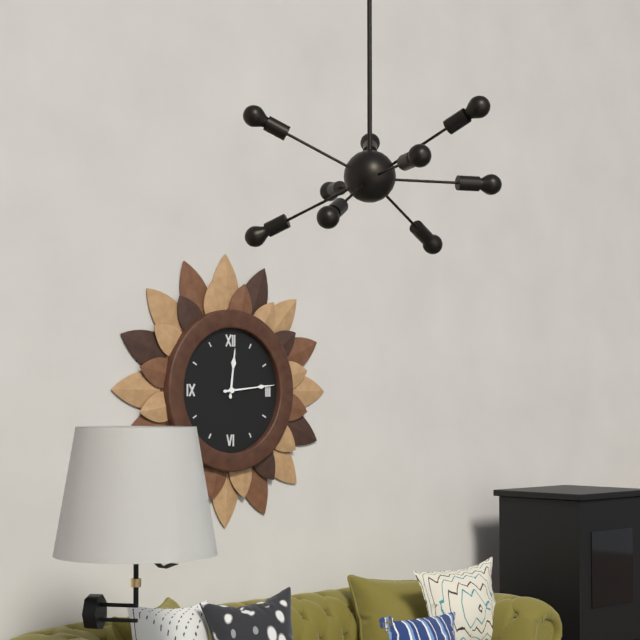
12:14
